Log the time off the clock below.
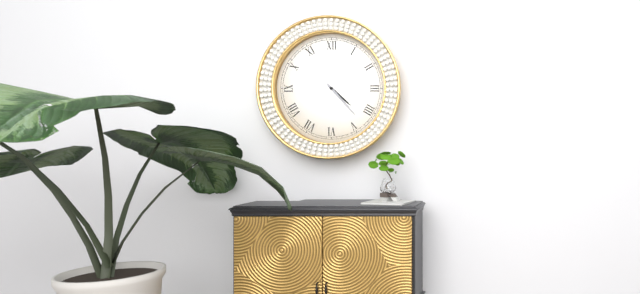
4:23
